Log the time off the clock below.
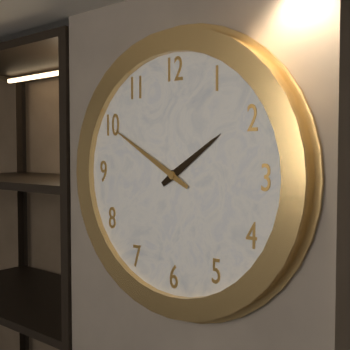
1:50
